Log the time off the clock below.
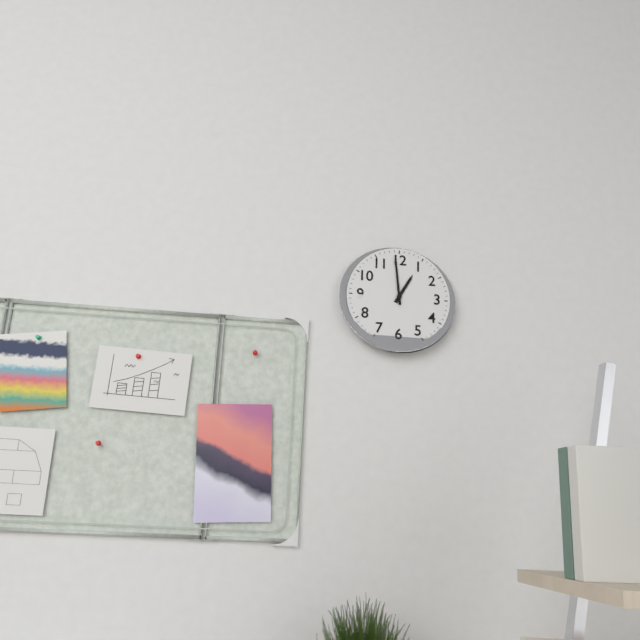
12:59
